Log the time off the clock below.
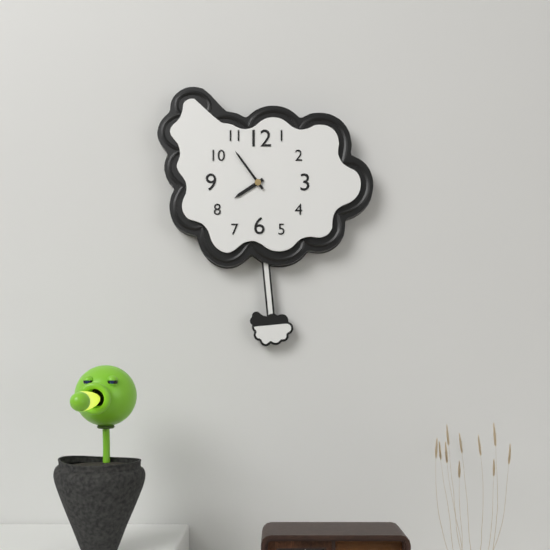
7:54
